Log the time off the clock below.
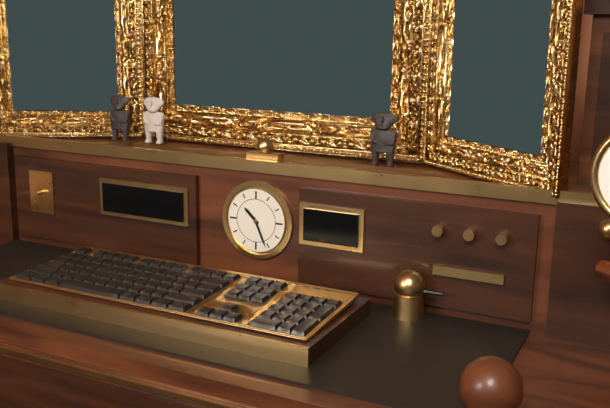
10:26
